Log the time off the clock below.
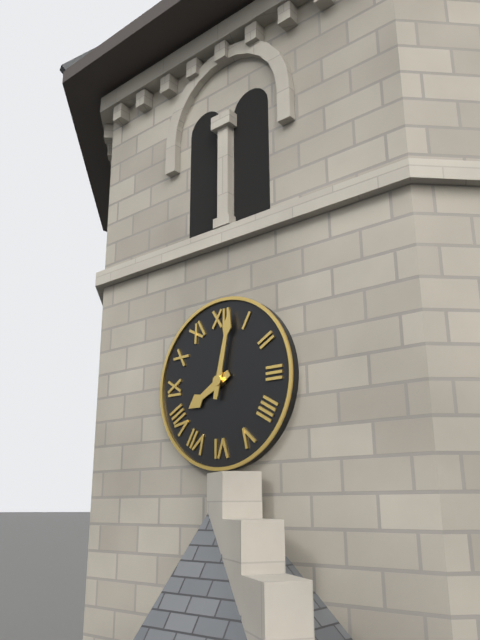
8:02
